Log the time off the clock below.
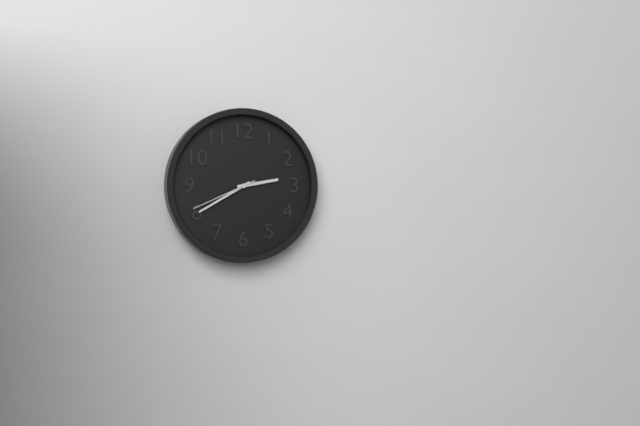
2:40:41
